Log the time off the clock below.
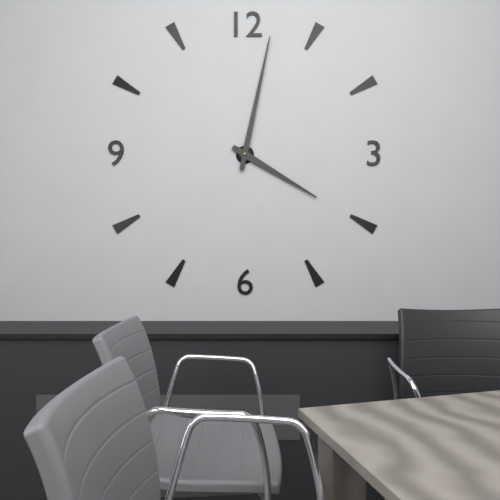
4:02
